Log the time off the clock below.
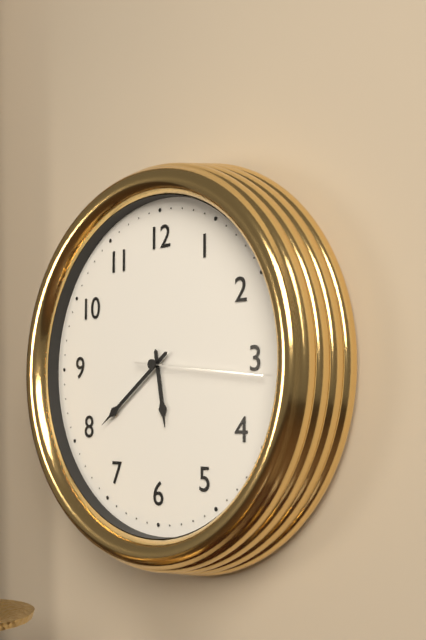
5:39:16
